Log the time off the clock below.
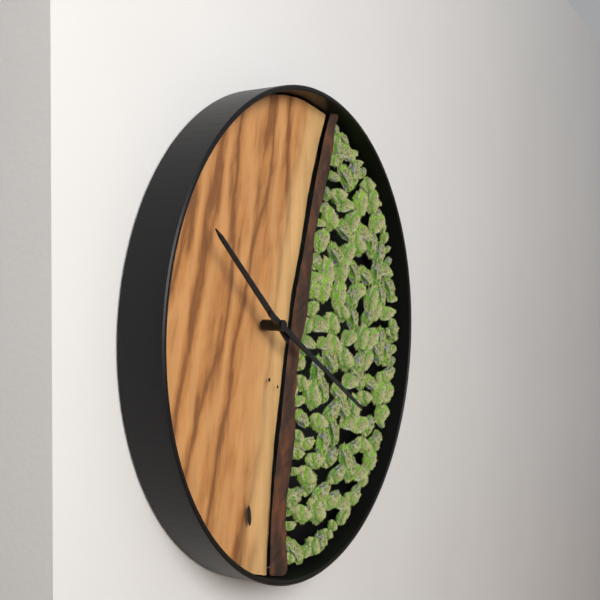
10:20
